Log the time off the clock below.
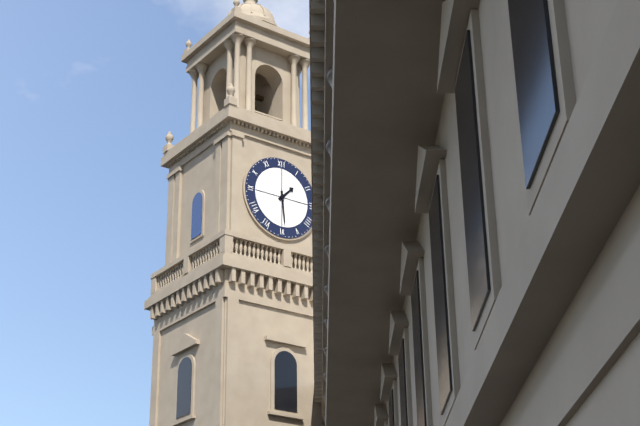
1:29
